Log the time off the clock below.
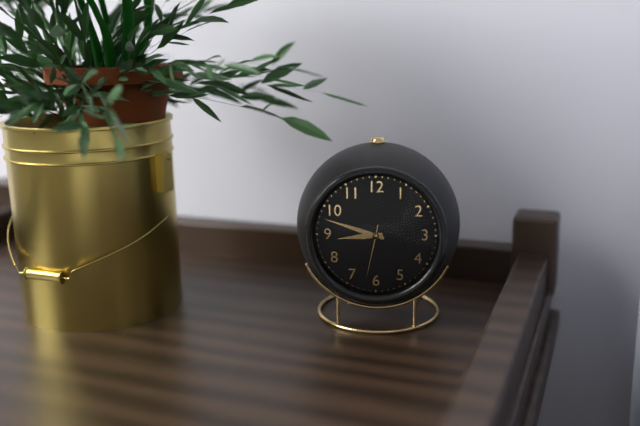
8:48:32
